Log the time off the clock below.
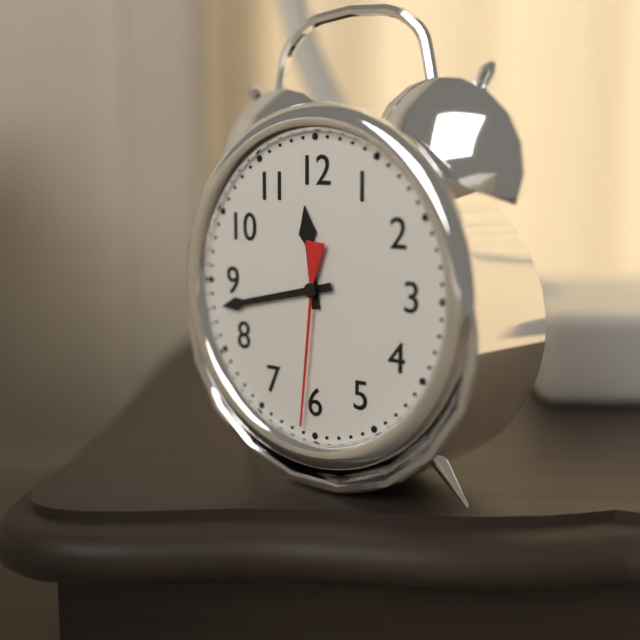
11:43:31
